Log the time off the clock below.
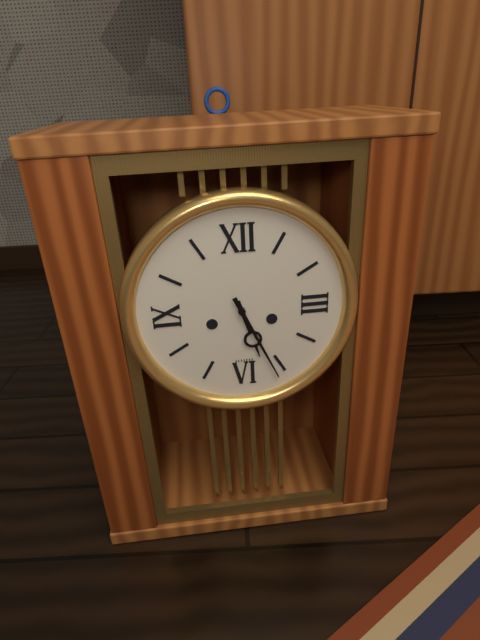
5:26
